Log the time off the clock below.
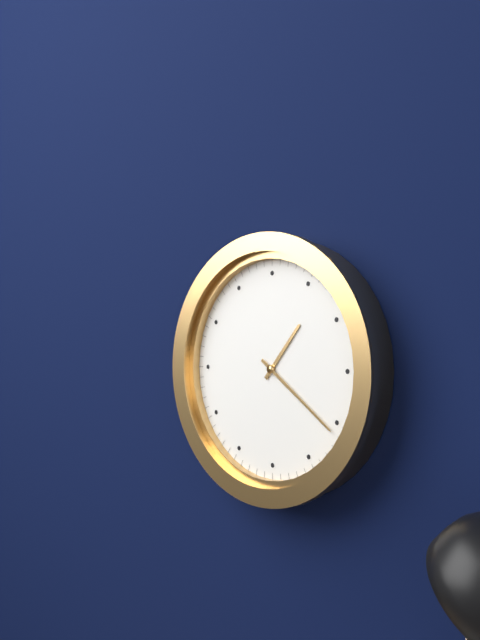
1:21
